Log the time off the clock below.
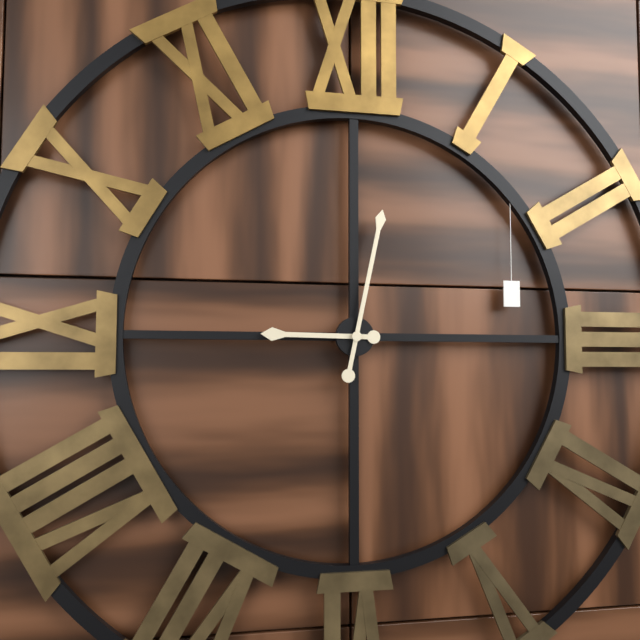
9:02
